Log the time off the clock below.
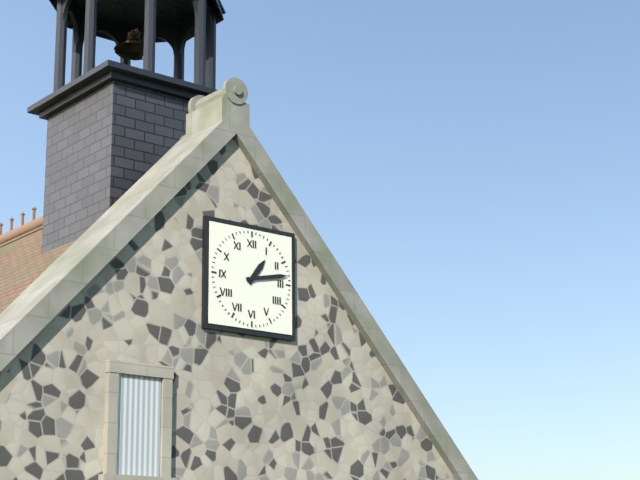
1:13
